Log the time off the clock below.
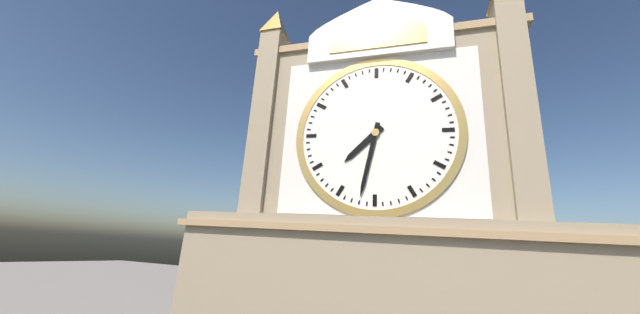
7:32
